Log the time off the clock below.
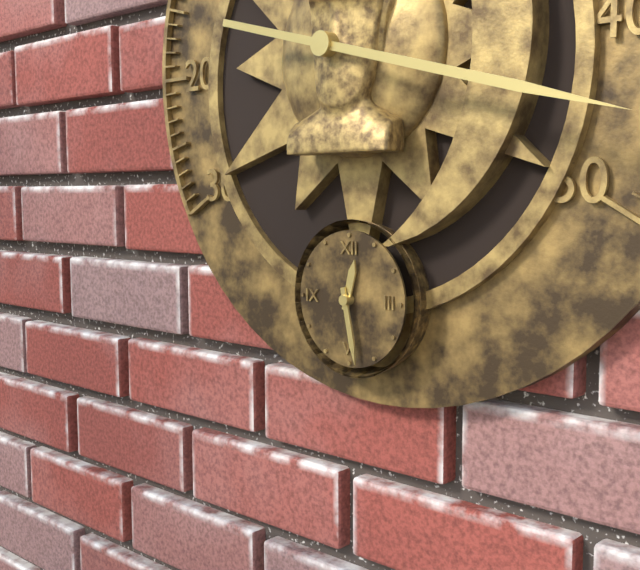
12:28
